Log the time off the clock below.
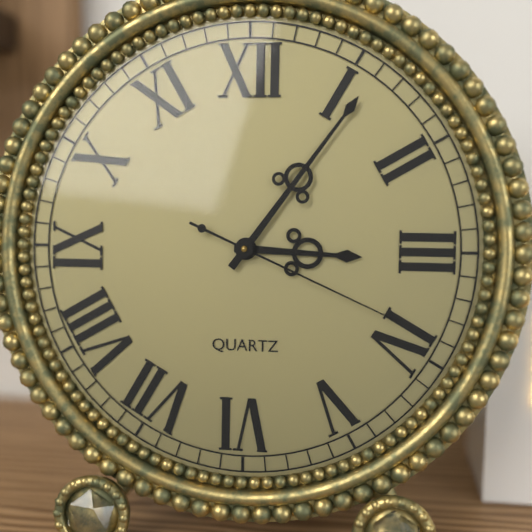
3:06:19
